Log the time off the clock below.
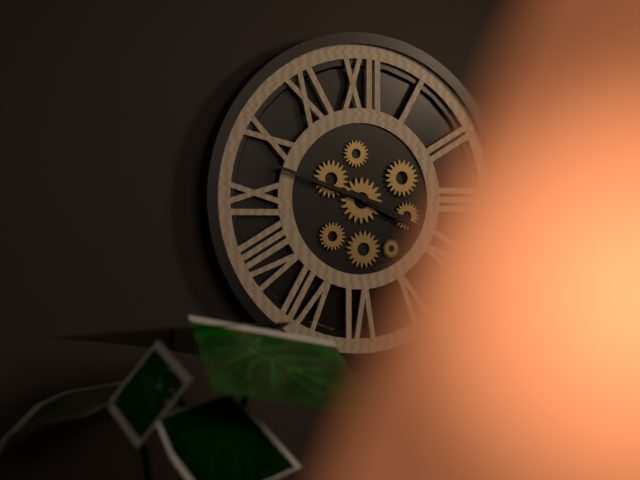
3:48
